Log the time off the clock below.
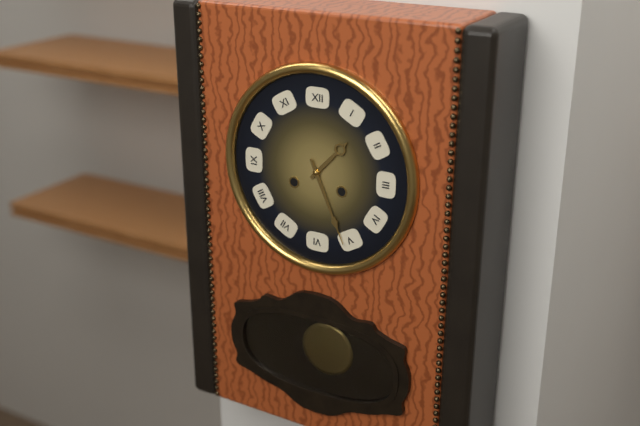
1:26
